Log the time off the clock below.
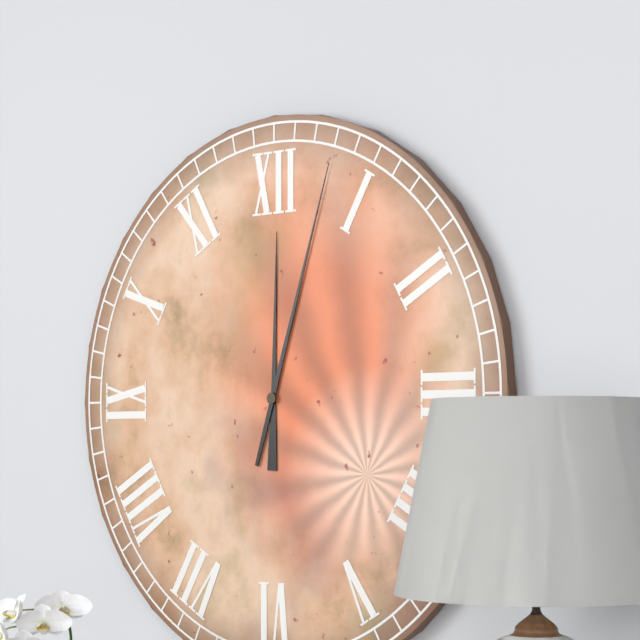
12:03
